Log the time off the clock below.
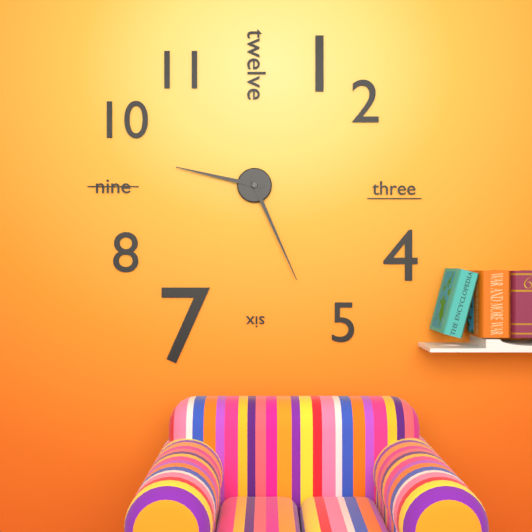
9:26
